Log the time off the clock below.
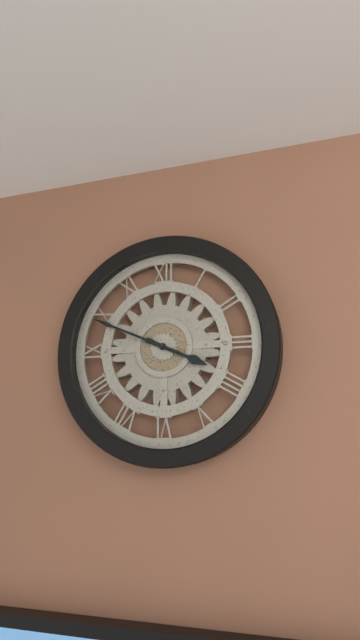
3:49
